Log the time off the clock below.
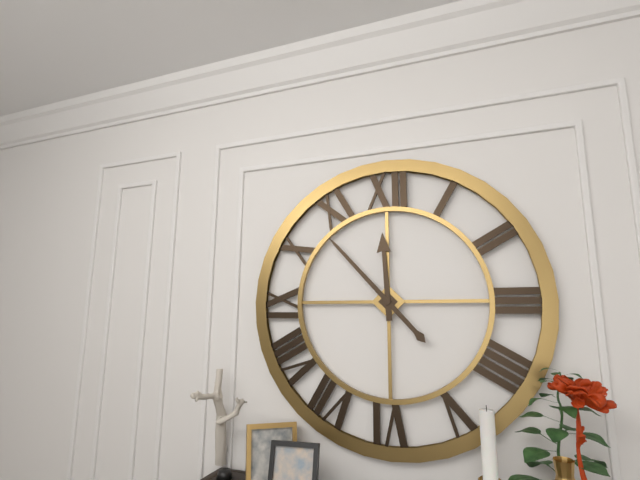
11:53
